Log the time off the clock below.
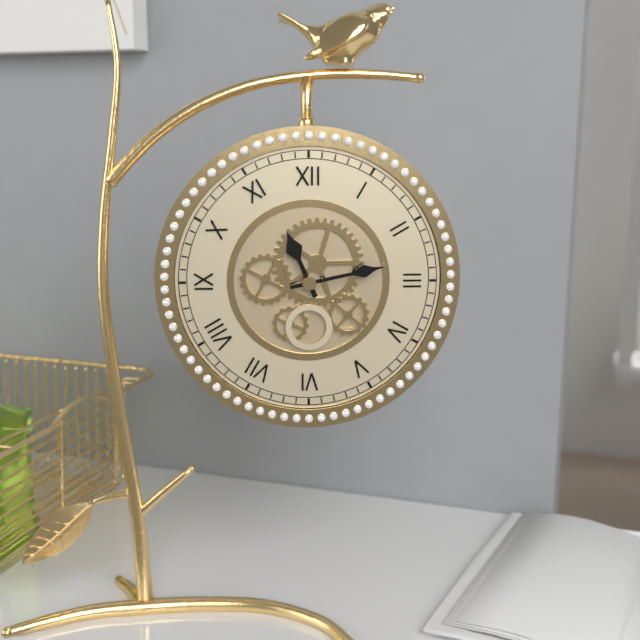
11:13
